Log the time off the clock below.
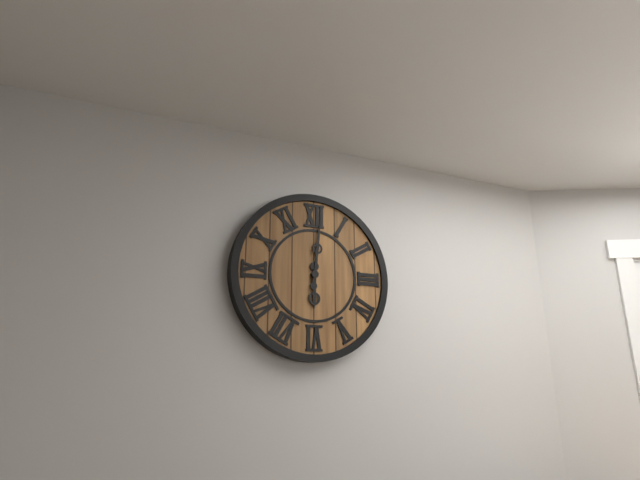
6:01
